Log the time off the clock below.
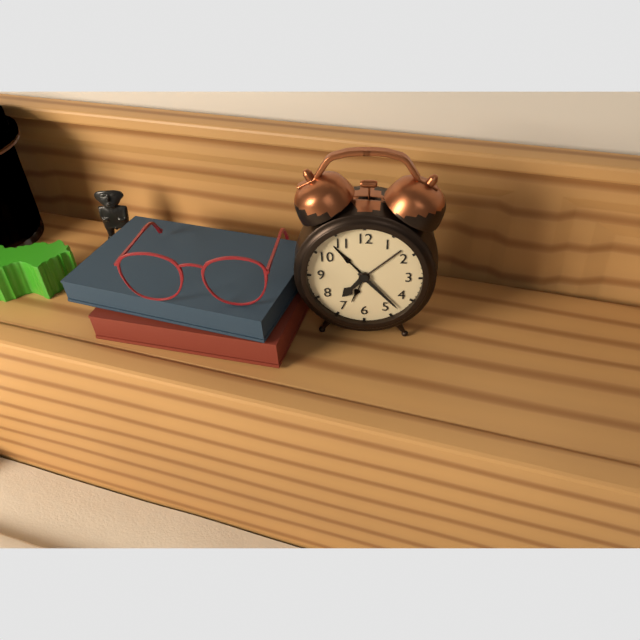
7:23
